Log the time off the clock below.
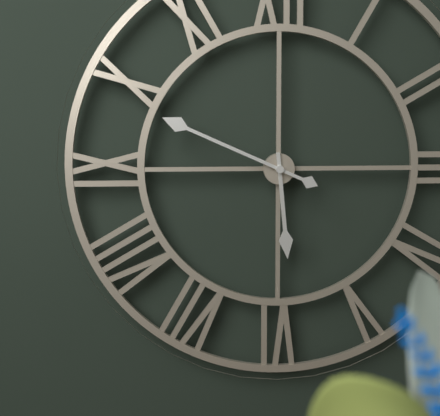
5:49
